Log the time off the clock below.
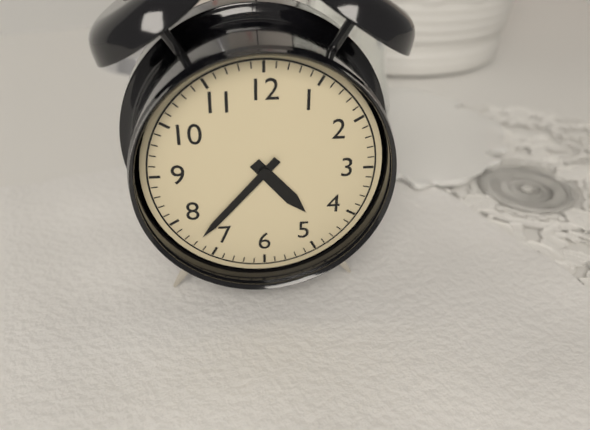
4:37
